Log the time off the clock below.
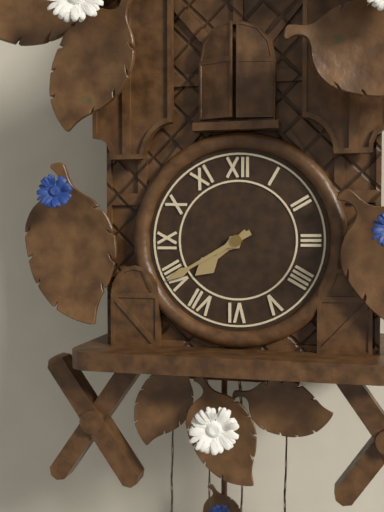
7:40
